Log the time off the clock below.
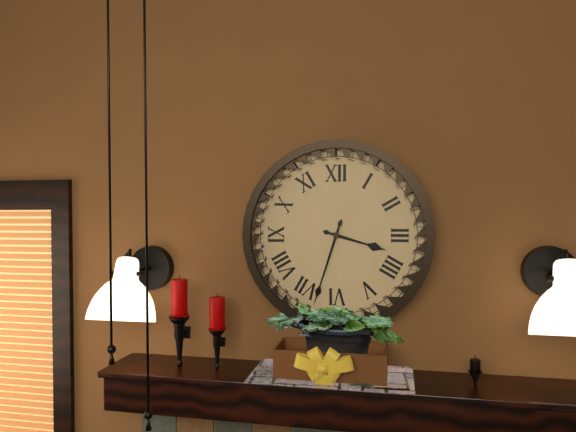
3:33
